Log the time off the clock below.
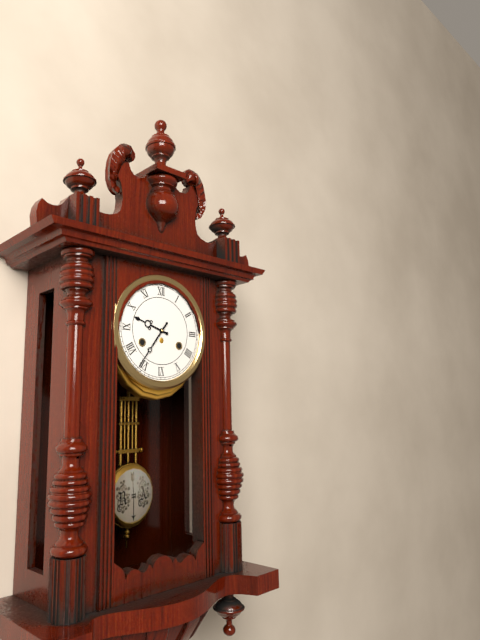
9:36
